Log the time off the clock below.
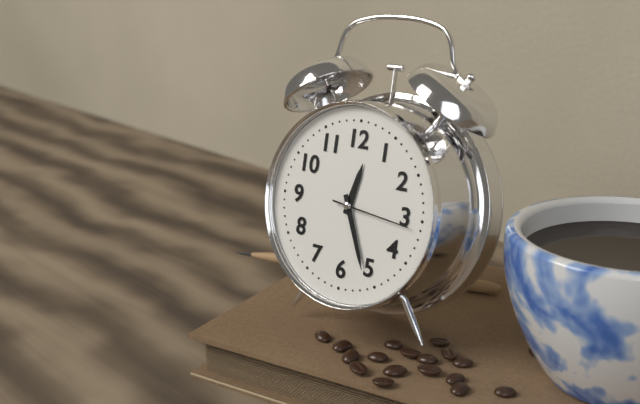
12:26:16
